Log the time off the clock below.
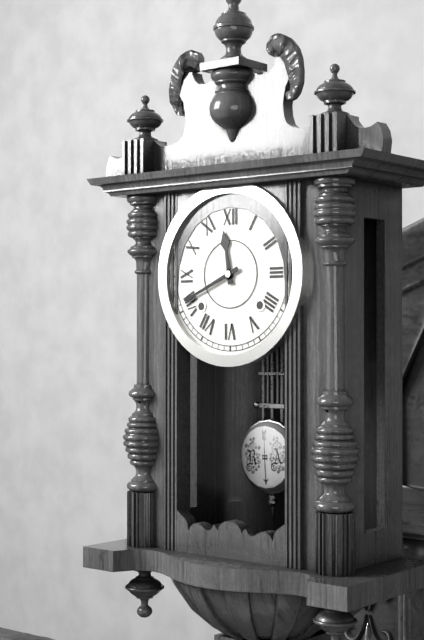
11:41
